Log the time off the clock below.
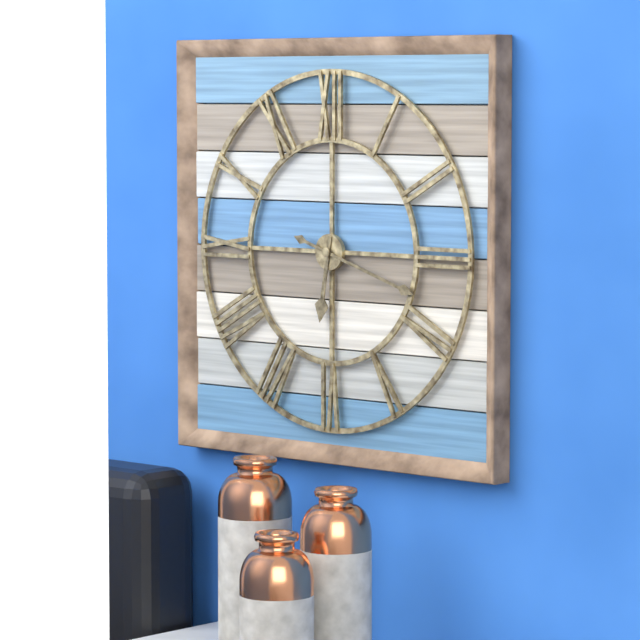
6:18
